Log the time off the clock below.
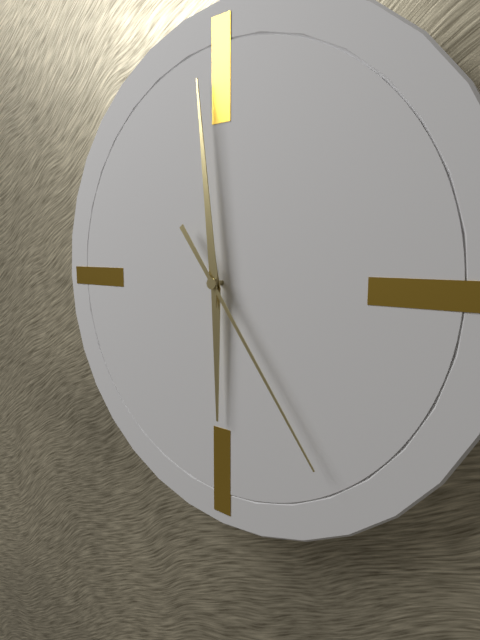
5:59:24
